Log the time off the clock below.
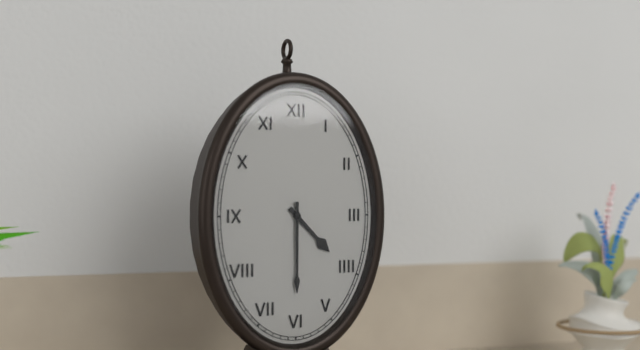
4:30
